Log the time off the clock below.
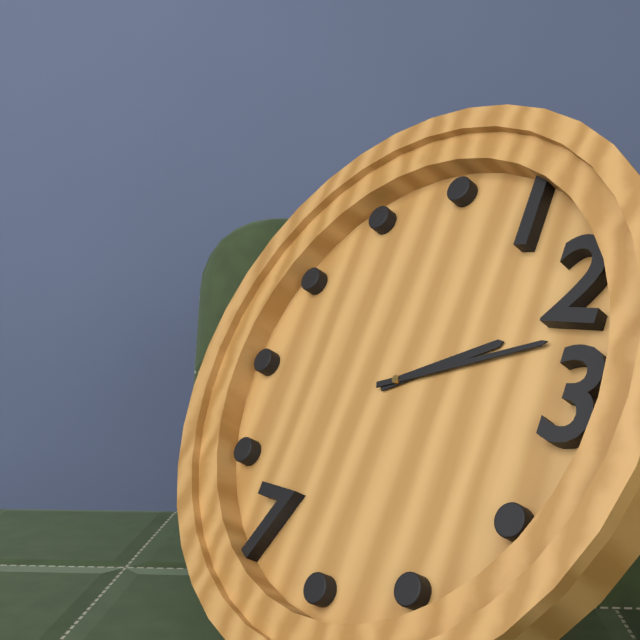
2:12
